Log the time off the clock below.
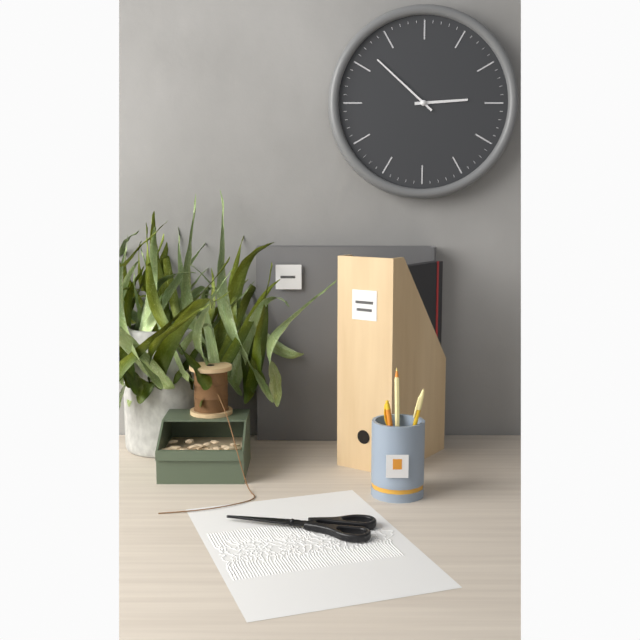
2:52
